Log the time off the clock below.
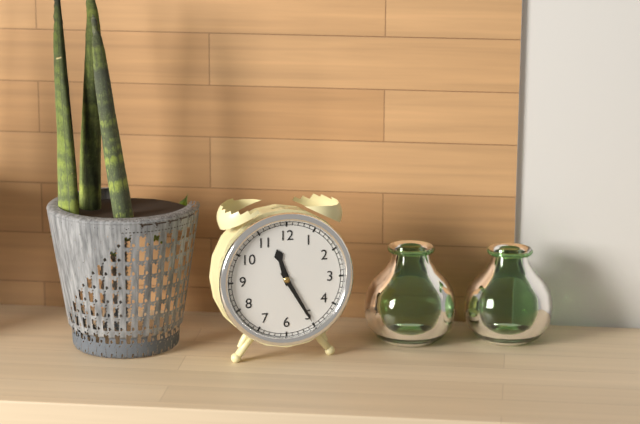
11:25
